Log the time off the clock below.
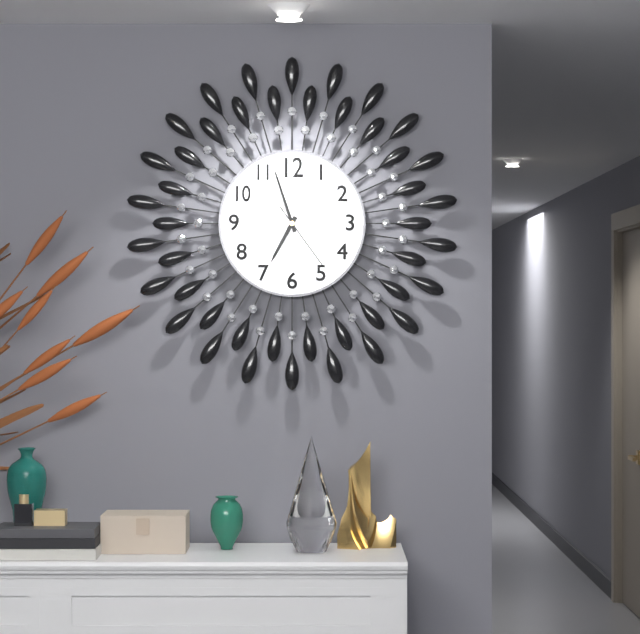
6:57:24
